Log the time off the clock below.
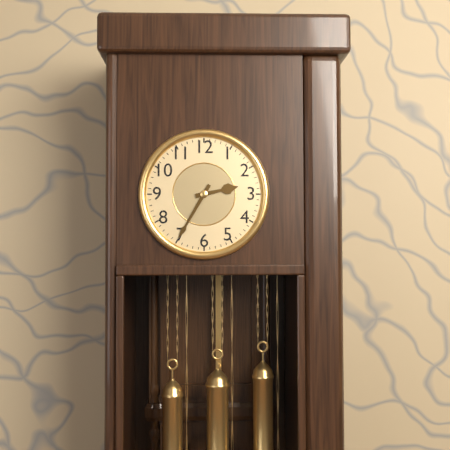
2:35
